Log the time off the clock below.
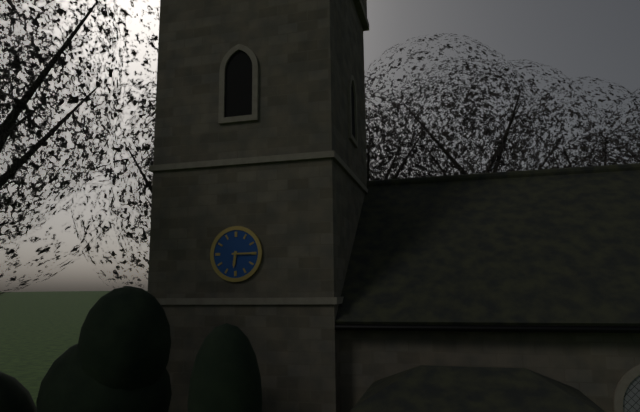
6:15
